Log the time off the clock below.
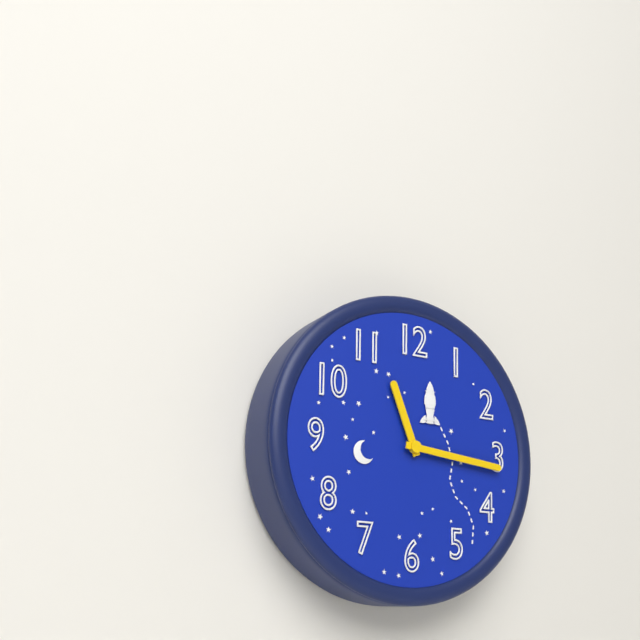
11:16
